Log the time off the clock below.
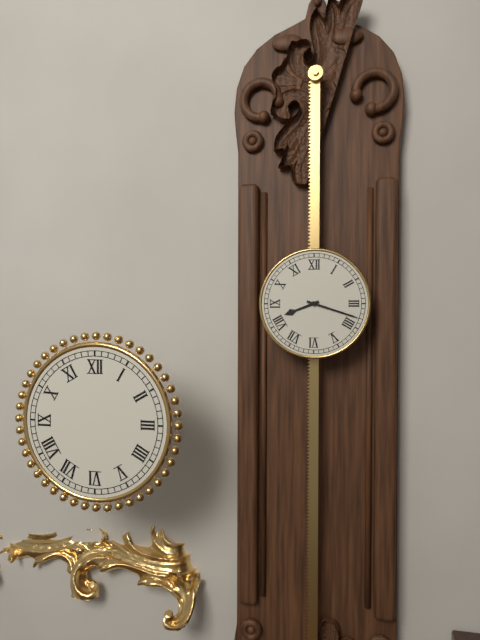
8:18
